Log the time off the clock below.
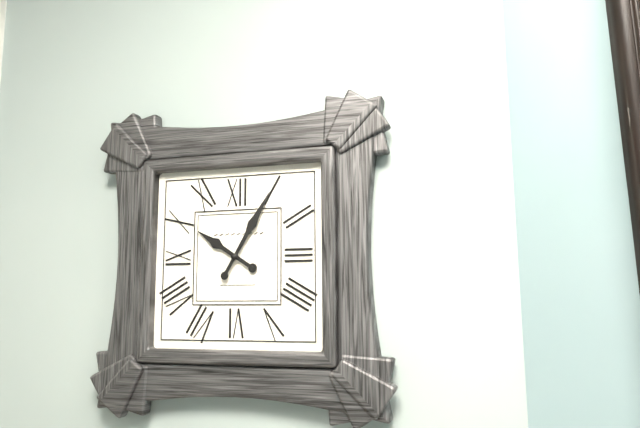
10:05
